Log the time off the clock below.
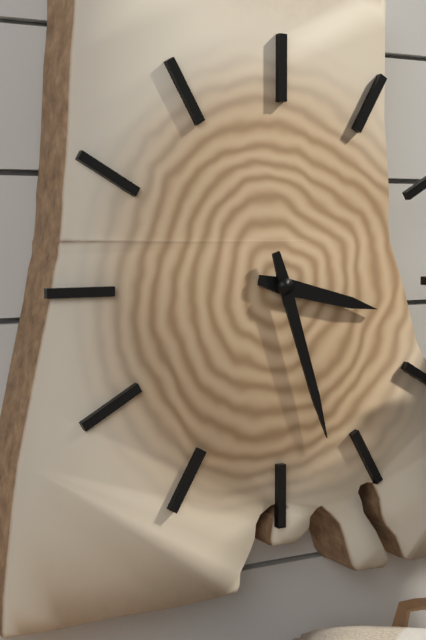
3:27
